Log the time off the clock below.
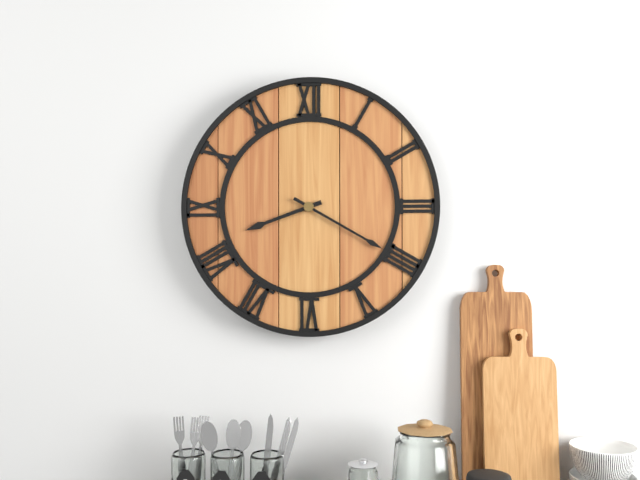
8:20
